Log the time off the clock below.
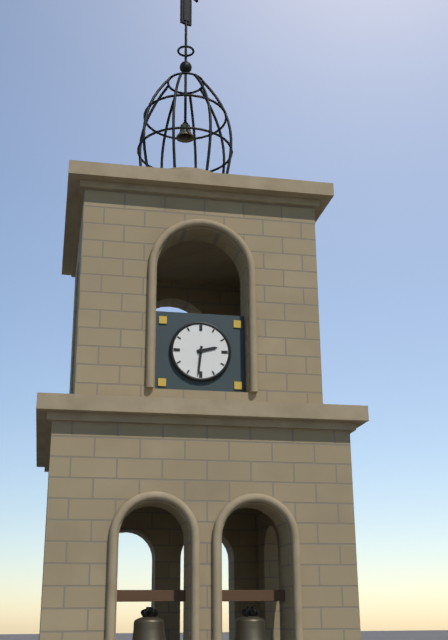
2:31
